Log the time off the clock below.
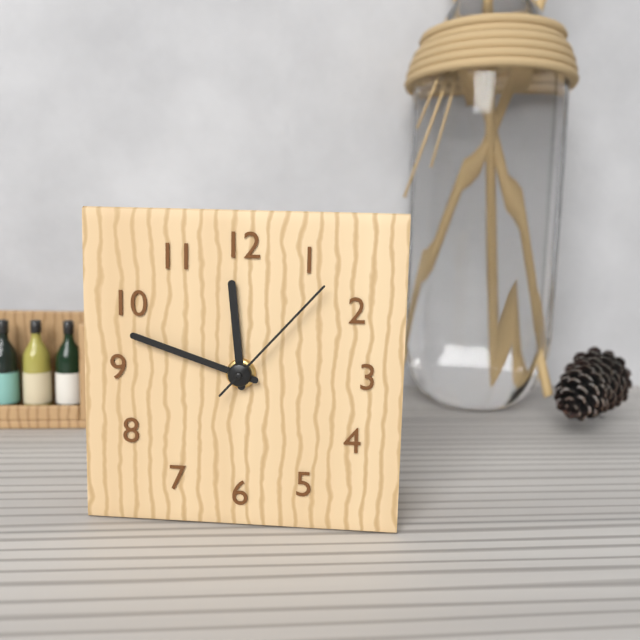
11:48:07
